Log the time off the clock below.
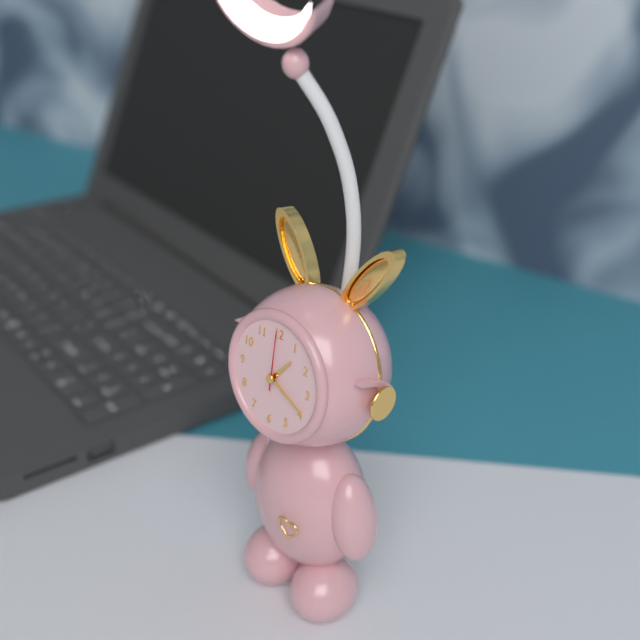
1:19:00
